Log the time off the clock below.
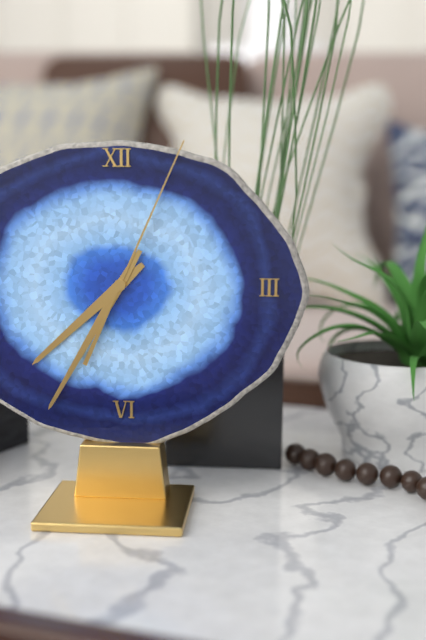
7:35:04
